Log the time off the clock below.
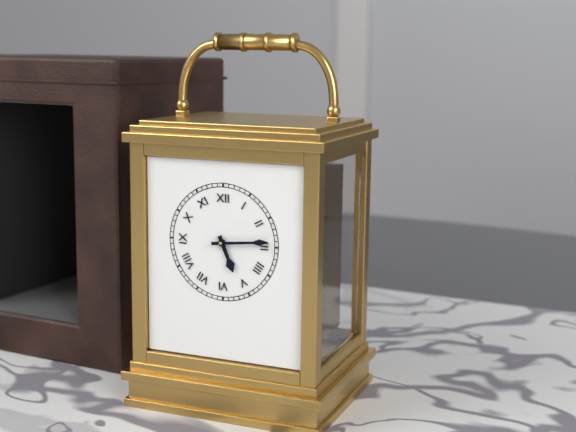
5:14
